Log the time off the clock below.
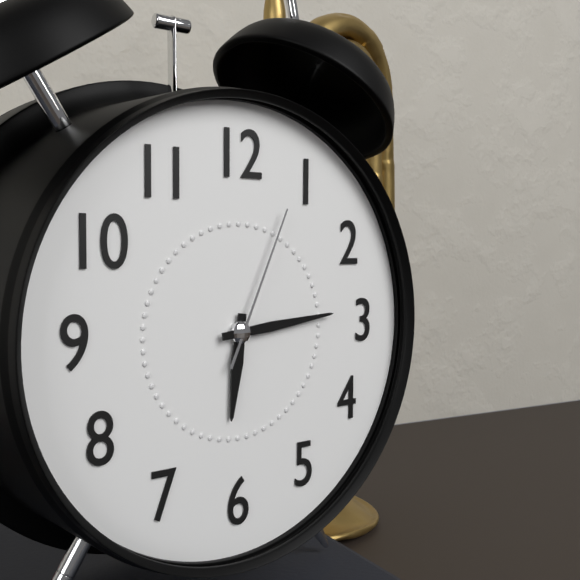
6:14:04
